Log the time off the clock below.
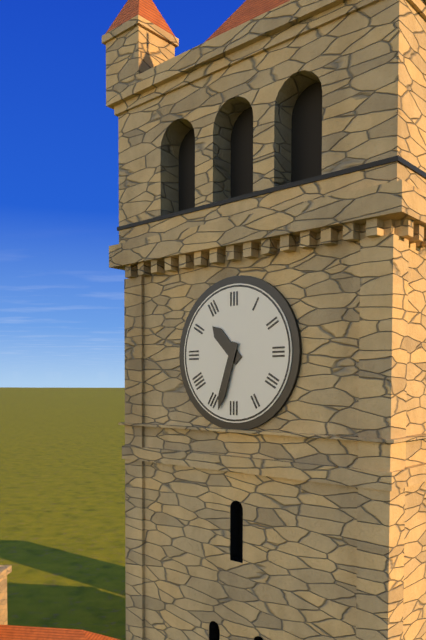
10:33
